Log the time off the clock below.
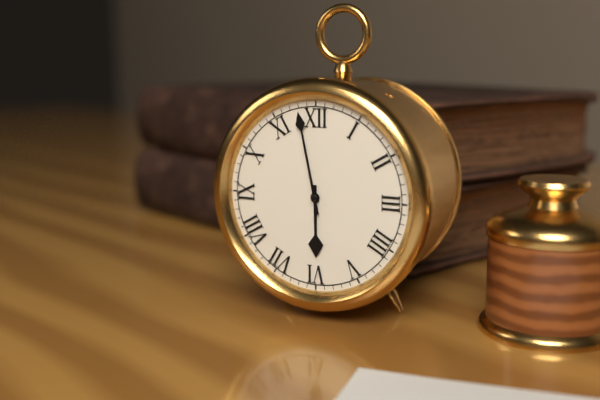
5:58
